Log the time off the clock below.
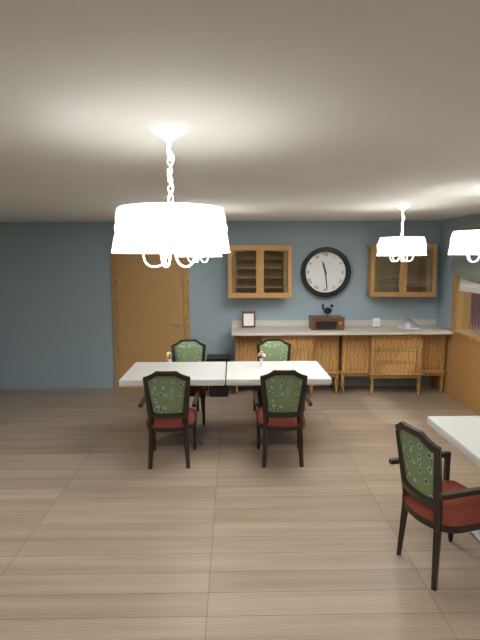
11:29
